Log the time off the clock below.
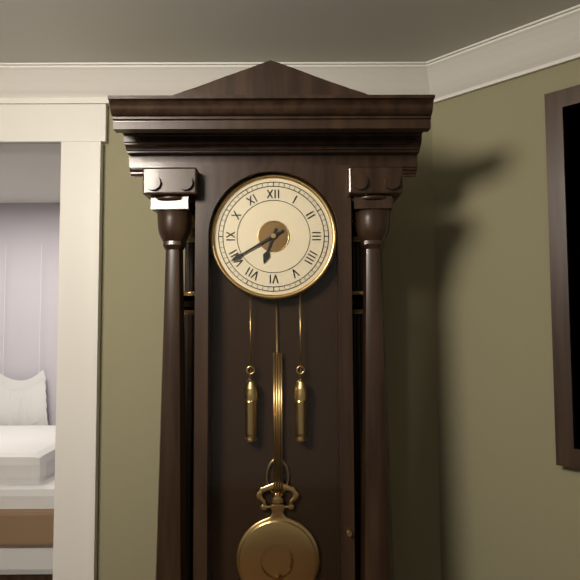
6:40
